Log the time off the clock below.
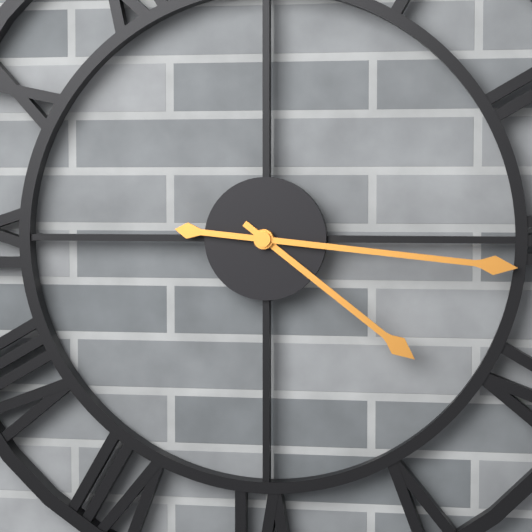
4:16
